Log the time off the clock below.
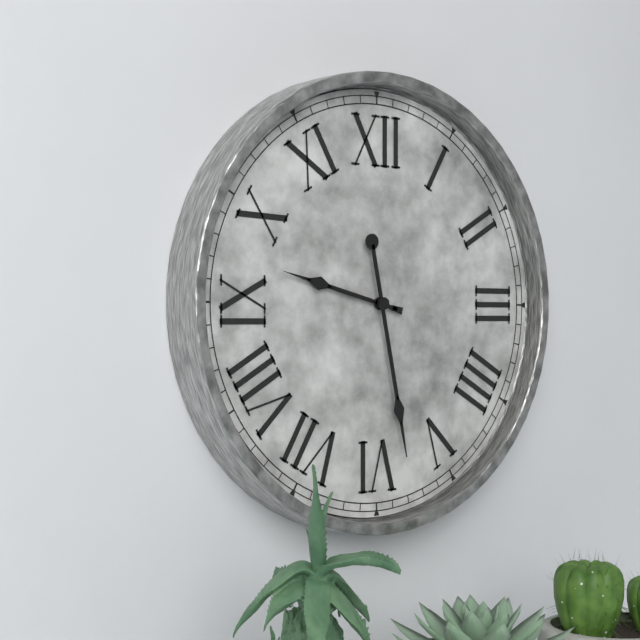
9:28
